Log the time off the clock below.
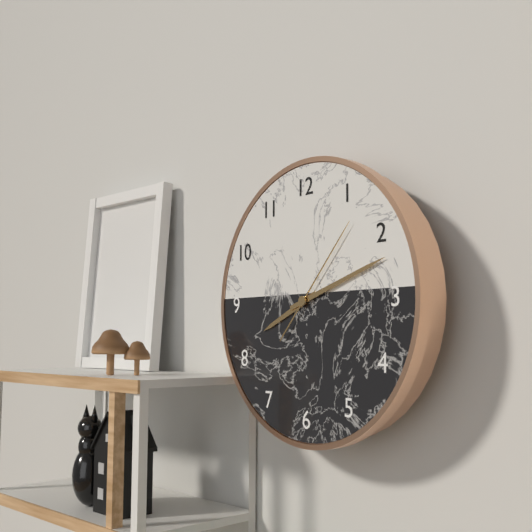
8:12:07
